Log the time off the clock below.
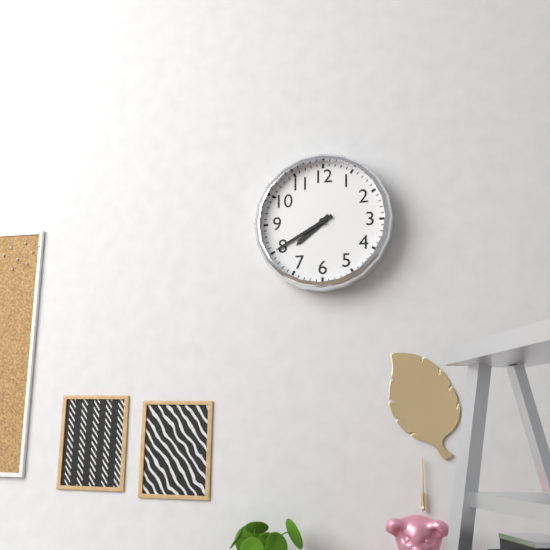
7:40
